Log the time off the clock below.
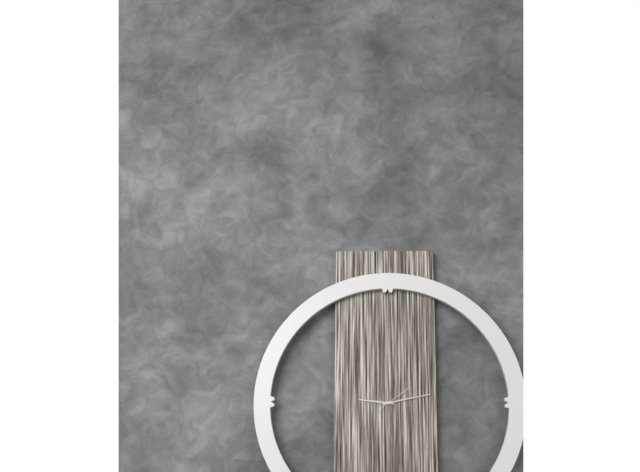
9:13
